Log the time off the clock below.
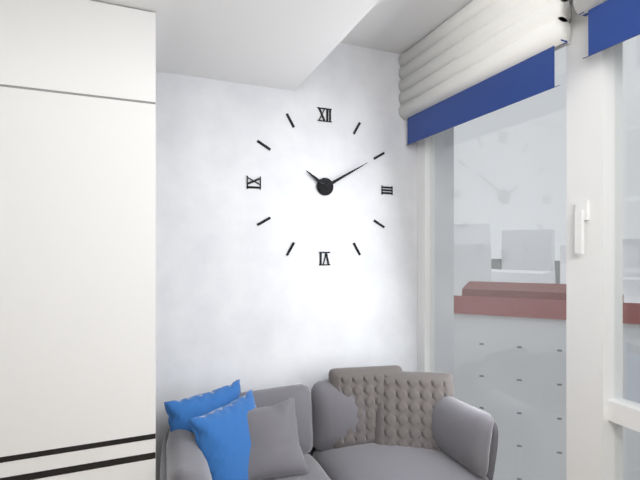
10:10
